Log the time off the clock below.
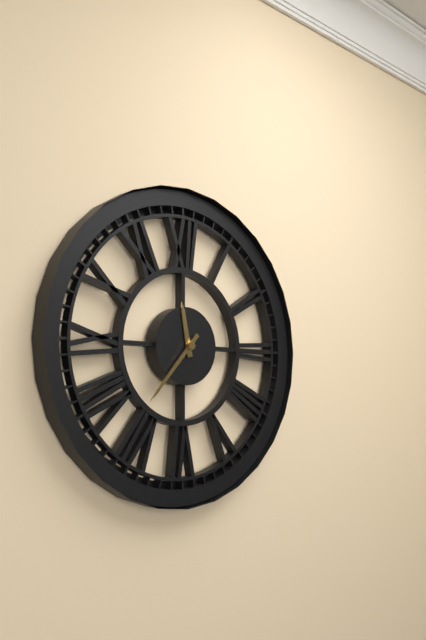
11:37
